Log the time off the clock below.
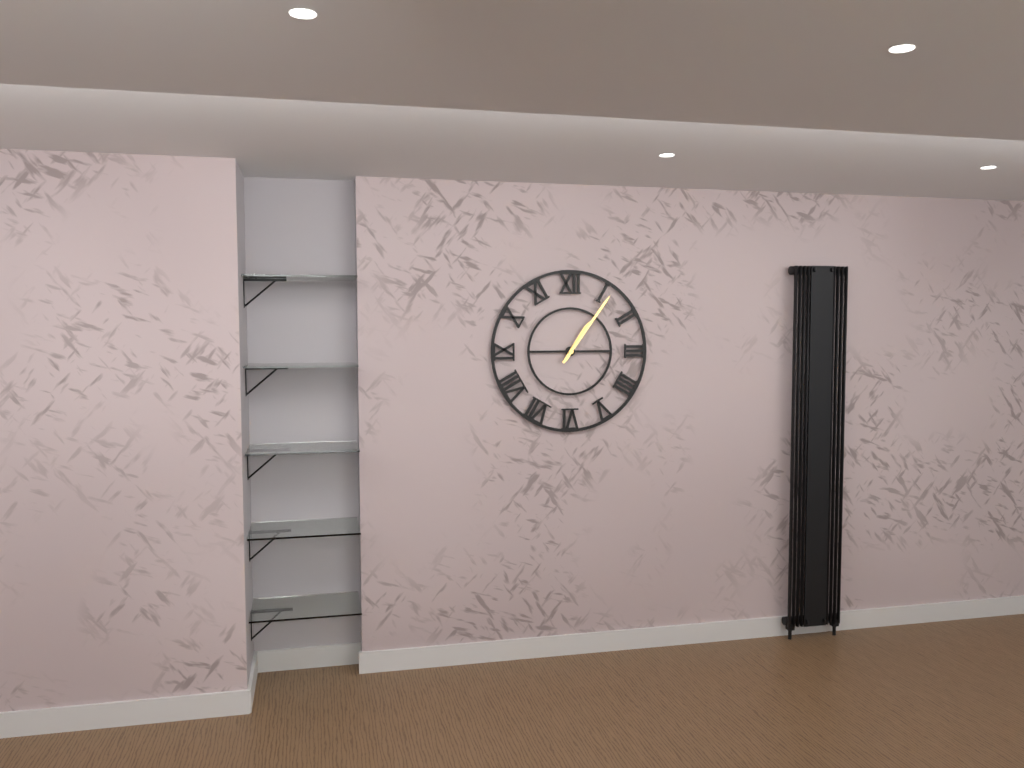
1:06
